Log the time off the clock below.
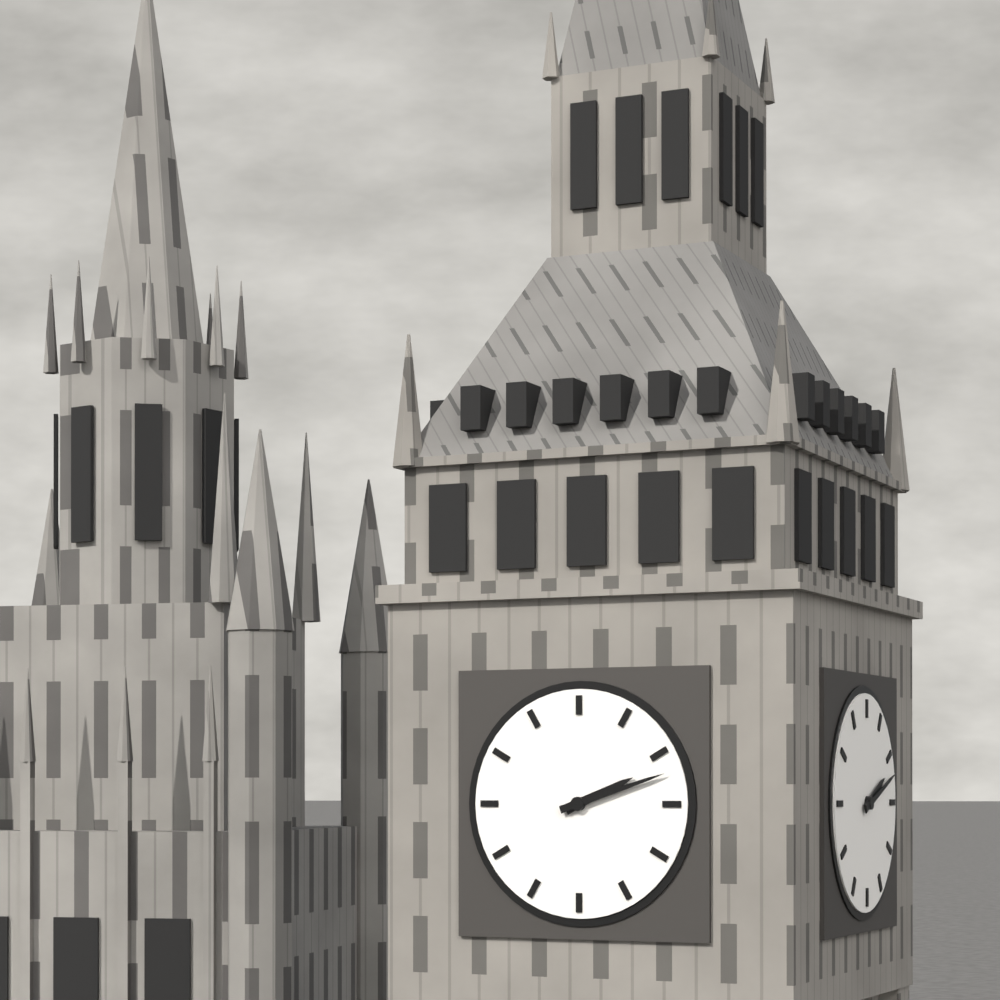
2:12
